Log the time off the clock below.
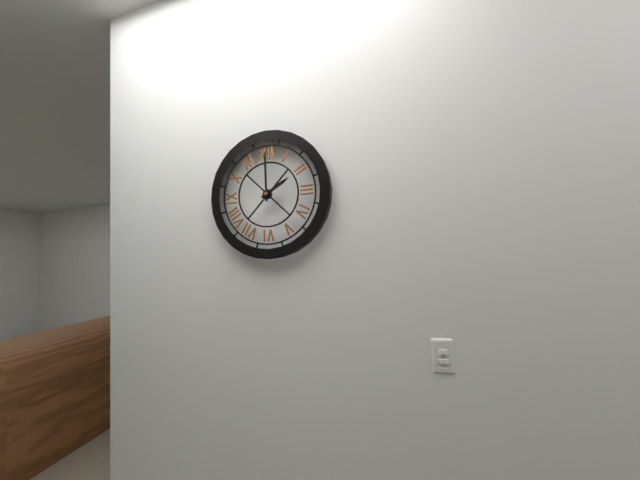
2:00
